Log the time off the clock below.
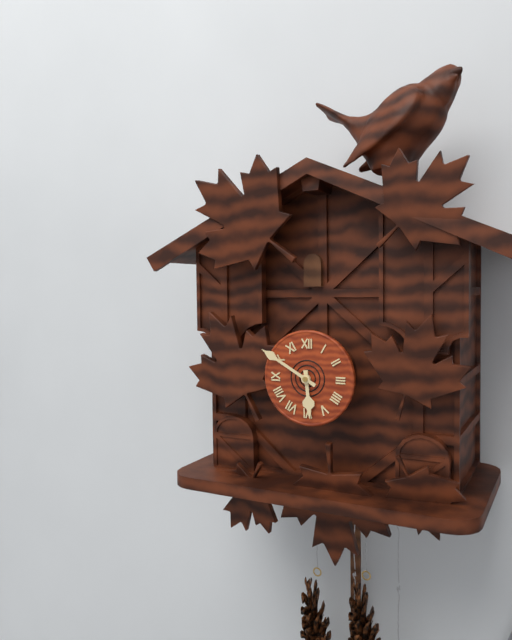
5:50
